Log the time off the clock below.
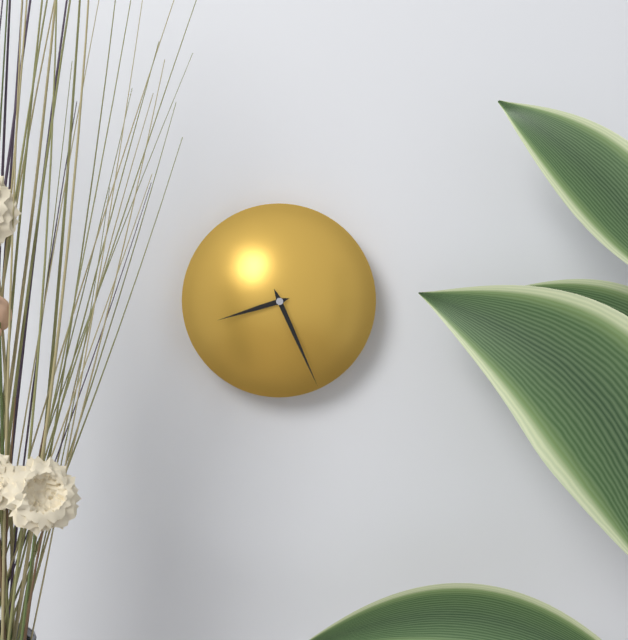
8:26
